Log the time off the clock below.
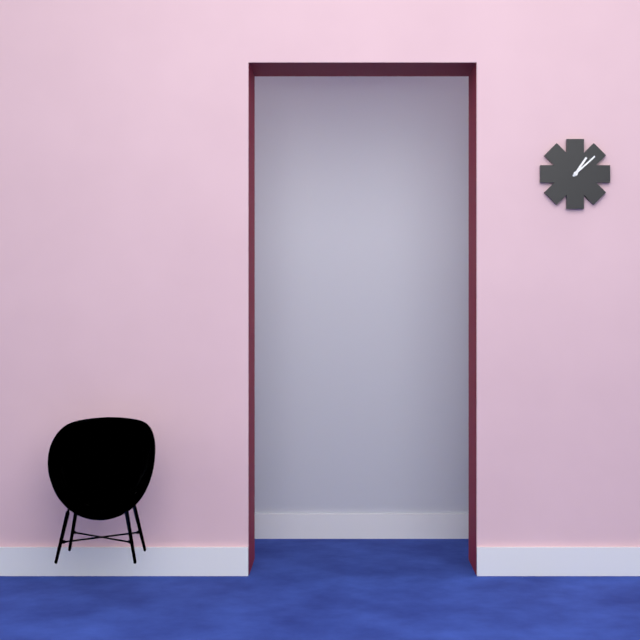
1:08
